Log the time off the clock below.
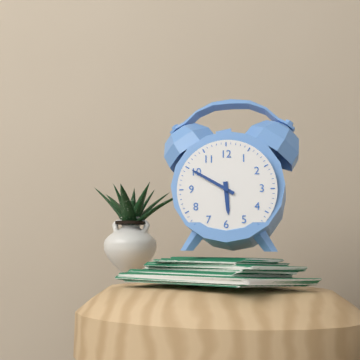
5:50
